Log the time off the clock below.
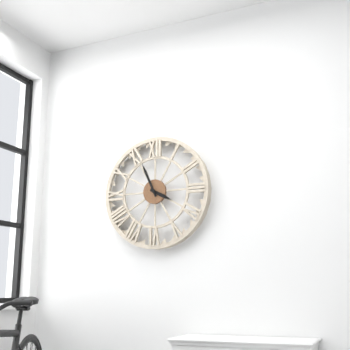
3:56
